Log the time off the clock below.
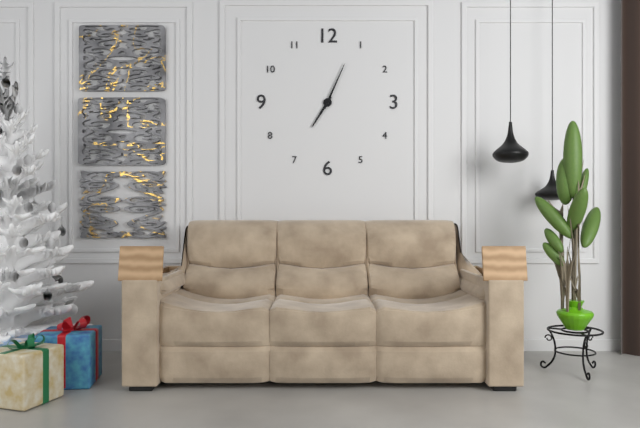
7:04
